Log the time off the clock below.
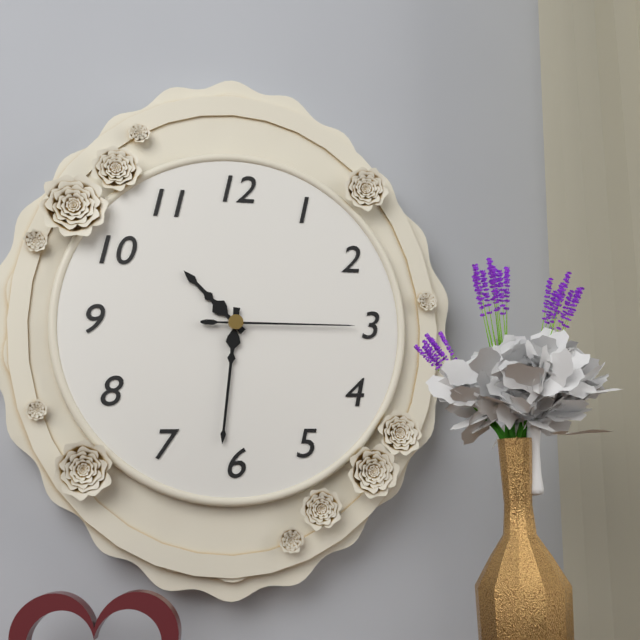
10:31:15
